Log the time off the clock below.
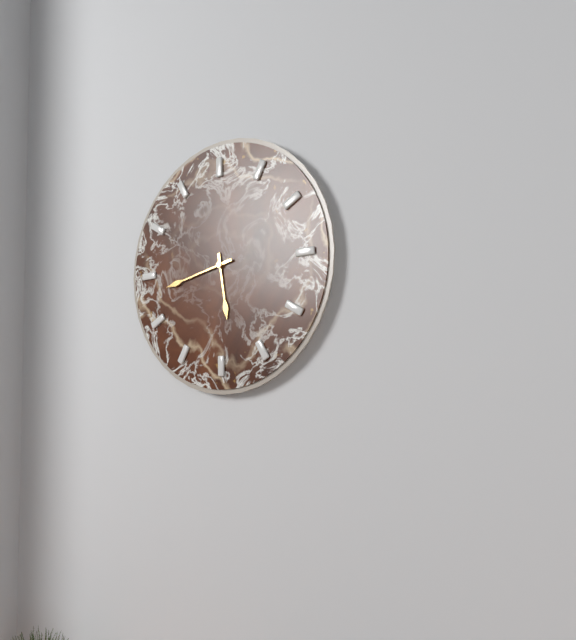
5:43
